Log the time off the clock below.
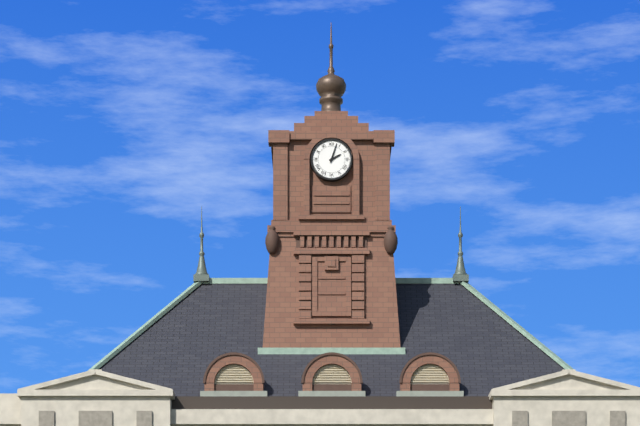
2:03
